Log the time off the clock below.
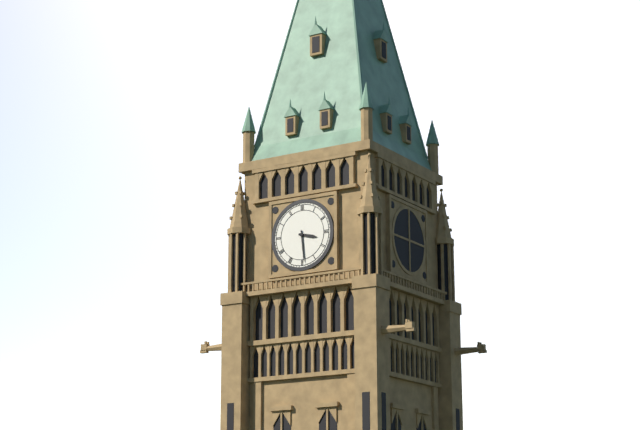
3:29
